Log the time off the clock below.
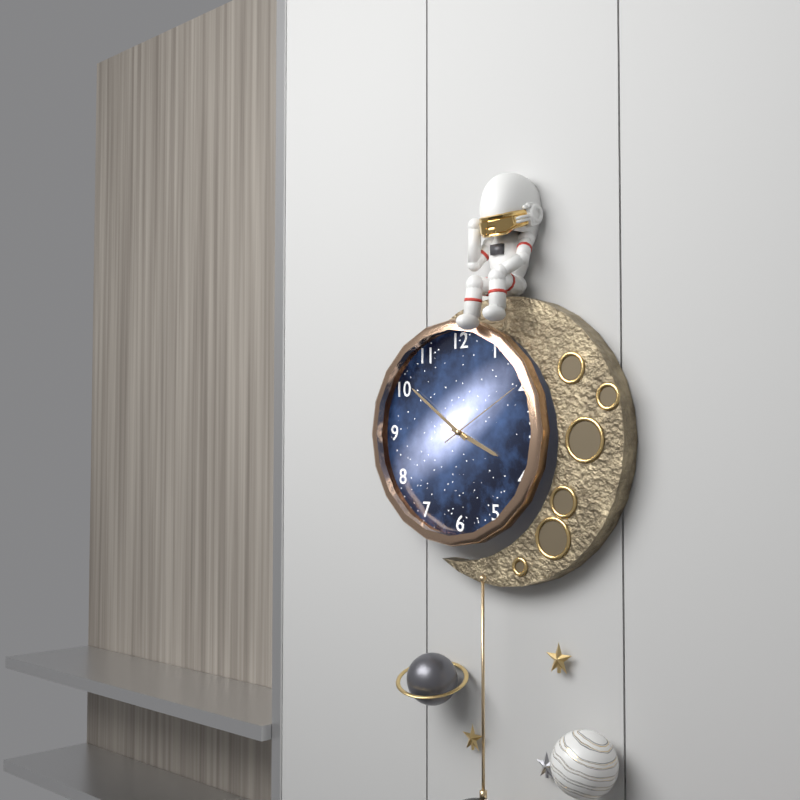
3:51:10
